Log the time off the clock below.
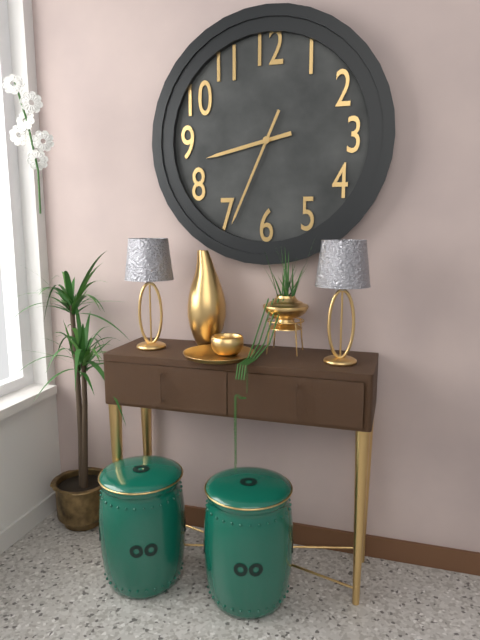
8:34
